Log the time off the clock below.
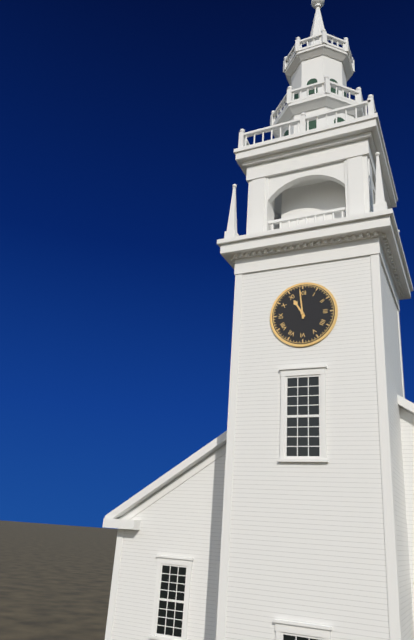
10:59
